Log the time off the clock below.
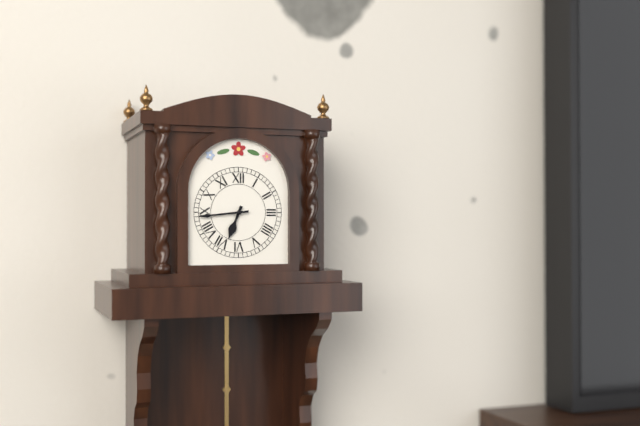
6:44
